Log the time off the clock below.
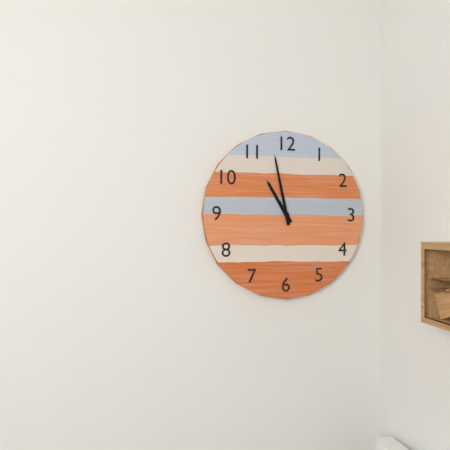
10:58
